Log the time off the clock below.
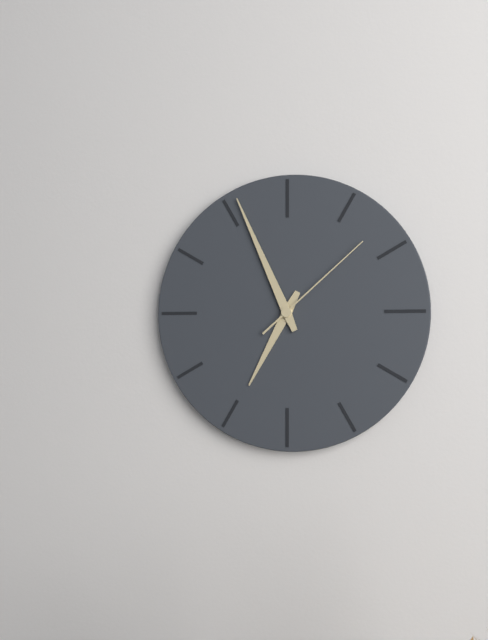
6:56:08
